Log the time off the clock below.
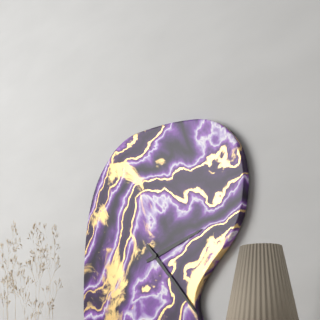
2:23
